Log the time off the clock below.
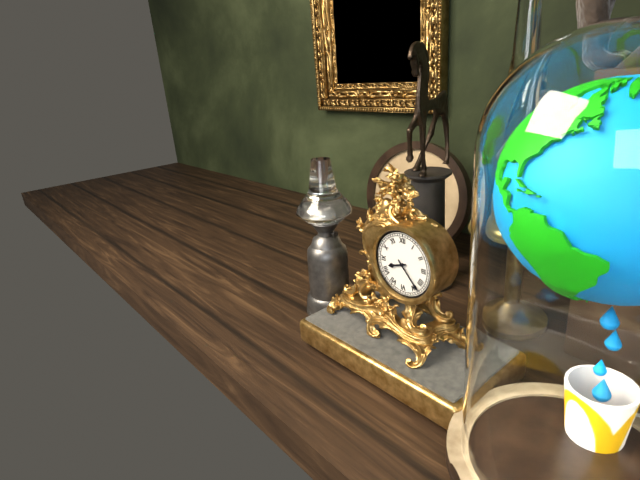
8:23
